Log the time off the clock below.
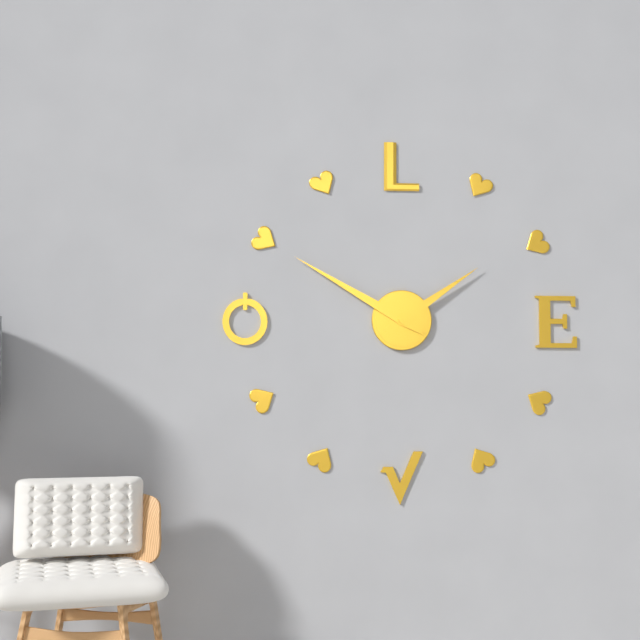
1:50
